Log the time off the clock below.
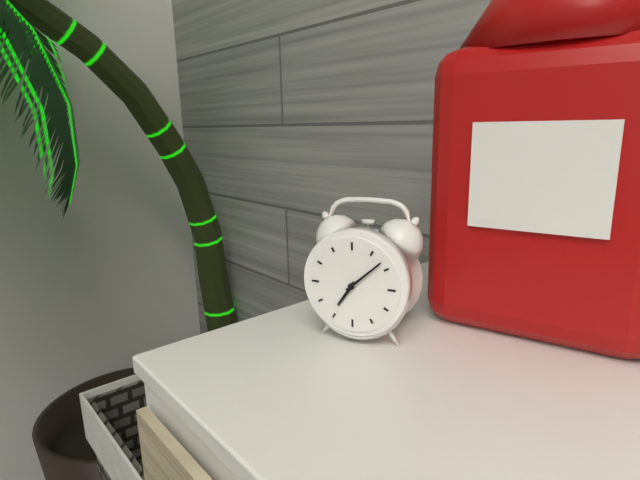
7:08
